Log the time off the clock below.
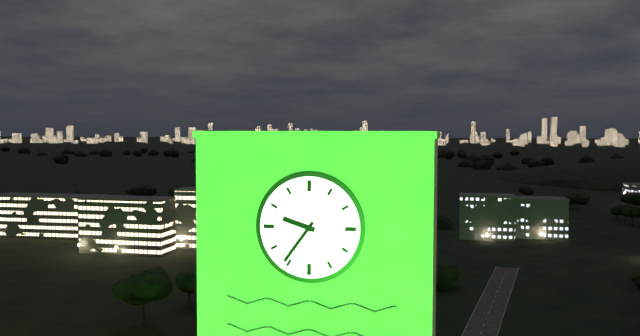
9:36
